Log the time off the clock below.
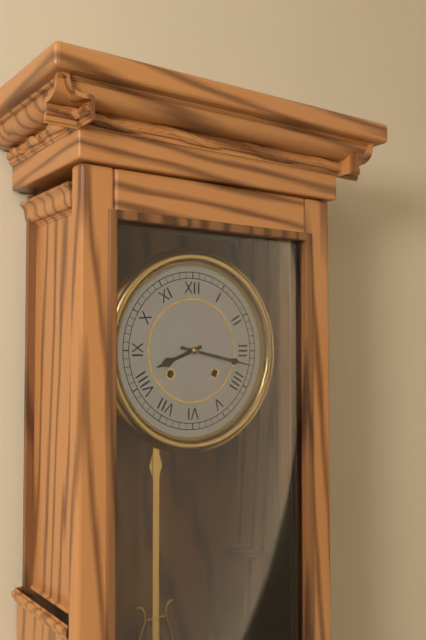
8:17
